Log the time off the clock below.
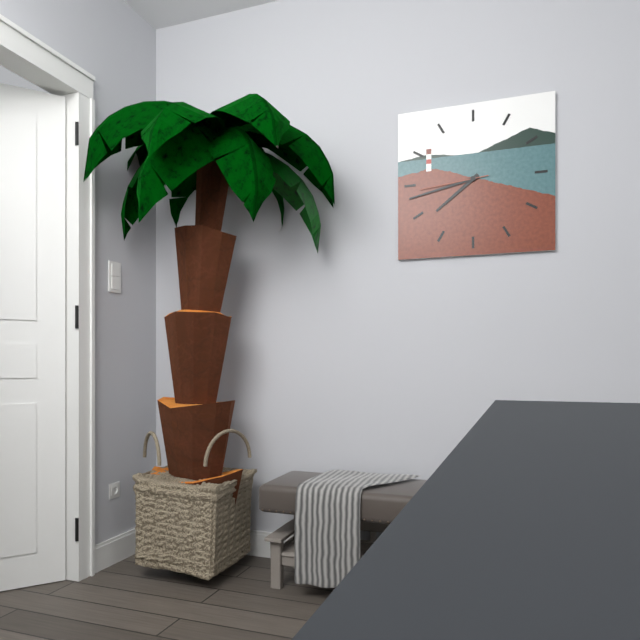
7:43:44
